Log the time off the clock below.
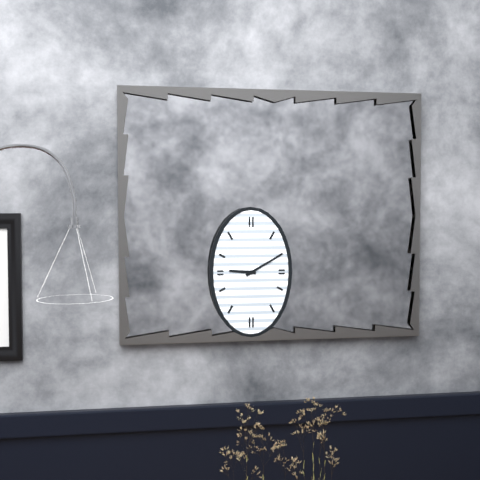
9:10
